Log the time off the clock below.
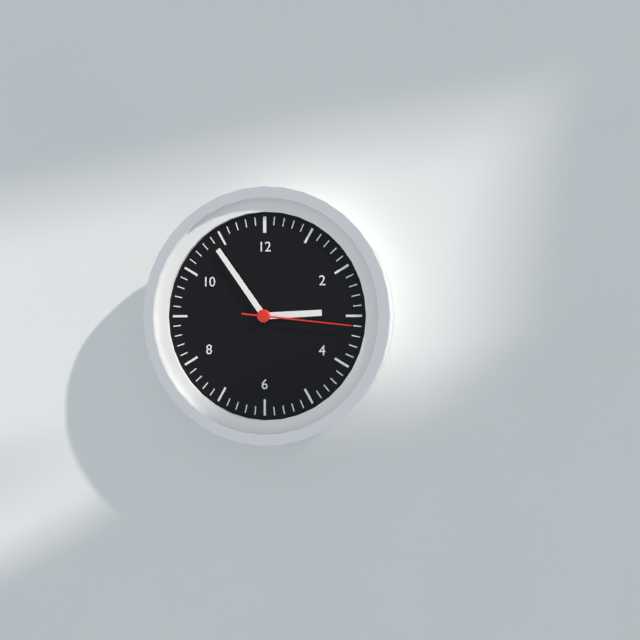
2:54:16
